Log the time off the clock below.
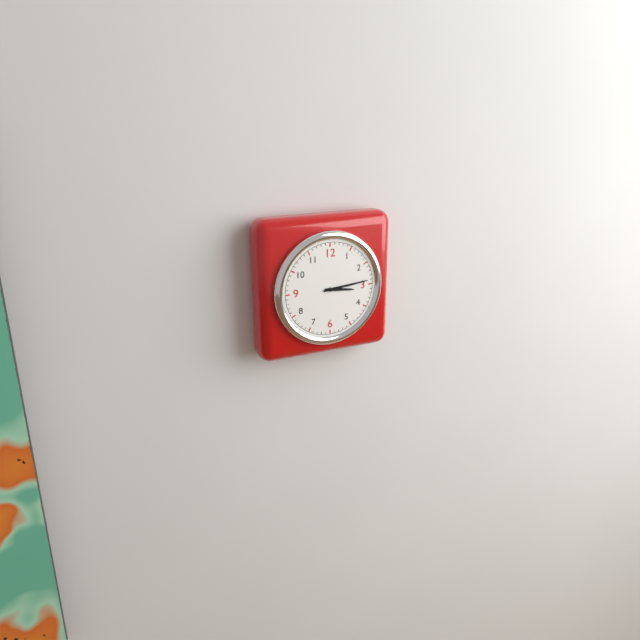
3:14
